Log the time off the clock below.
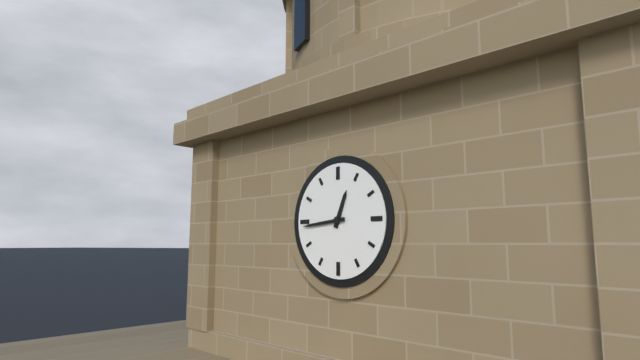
12:44
